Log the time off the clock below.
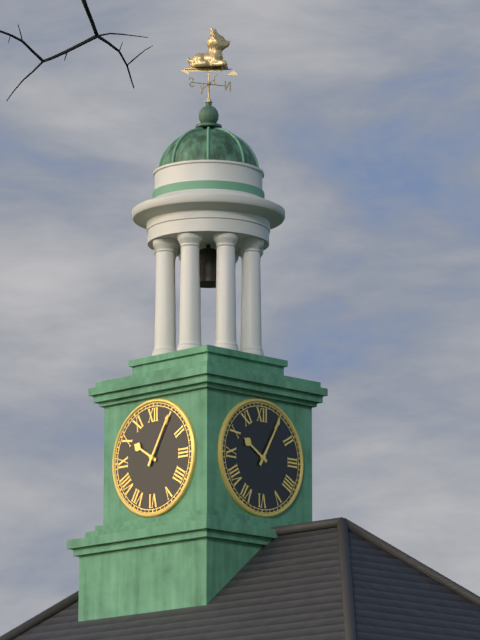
10:05
